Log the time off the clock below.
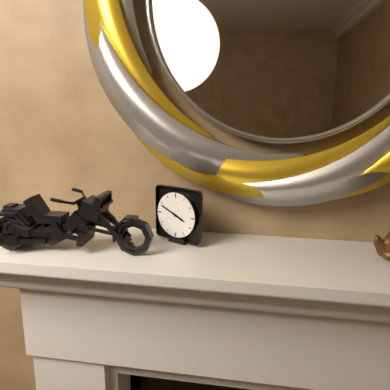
3:49
